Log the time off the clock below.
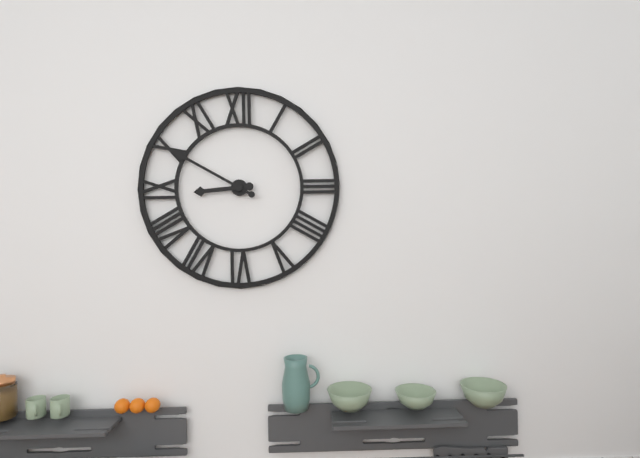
8:50
